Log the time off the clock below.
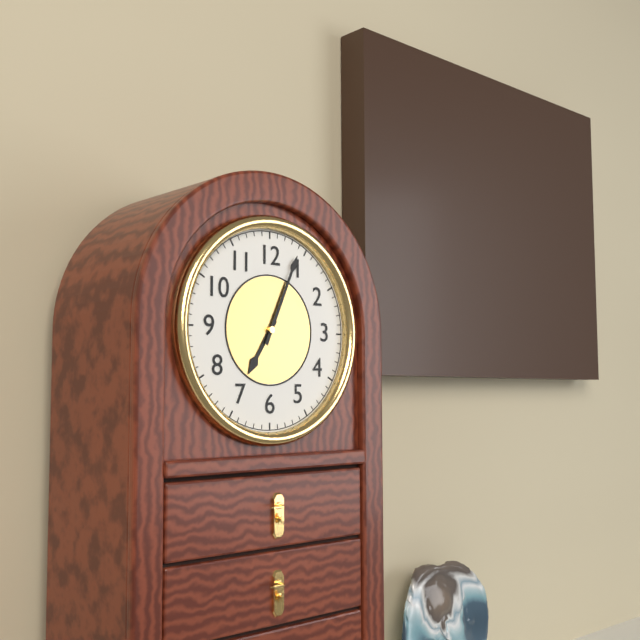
7:04
